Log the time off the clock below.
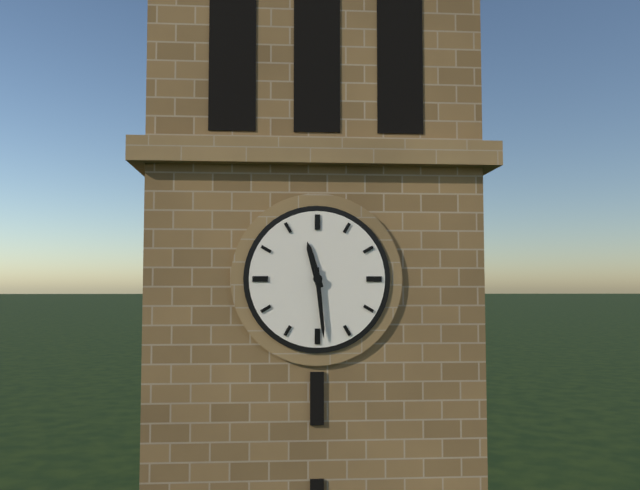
11:29
